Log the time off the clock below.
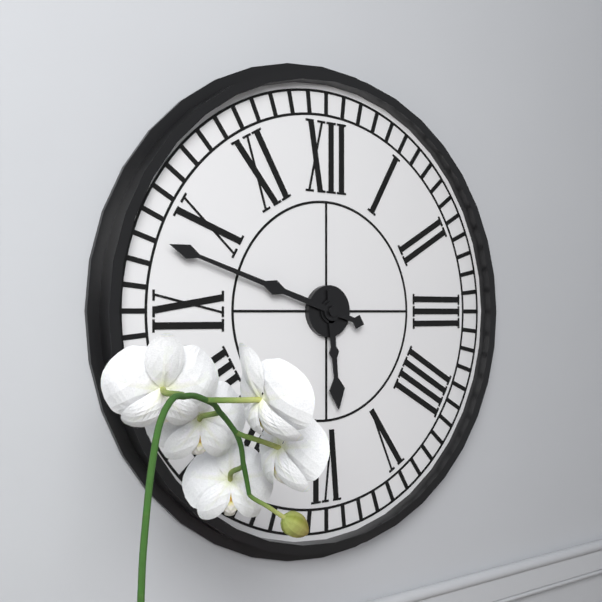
5:48
